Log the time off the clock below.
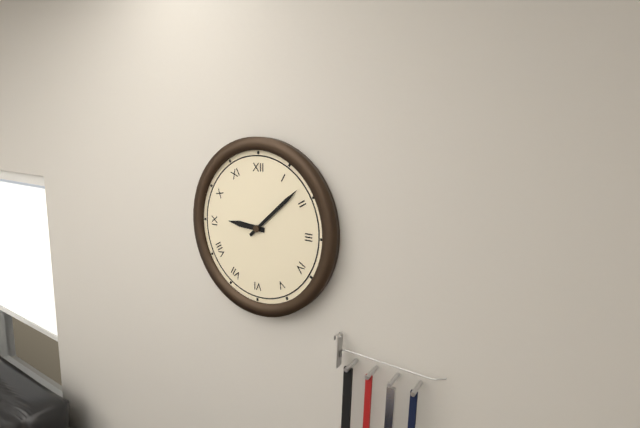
9:08
